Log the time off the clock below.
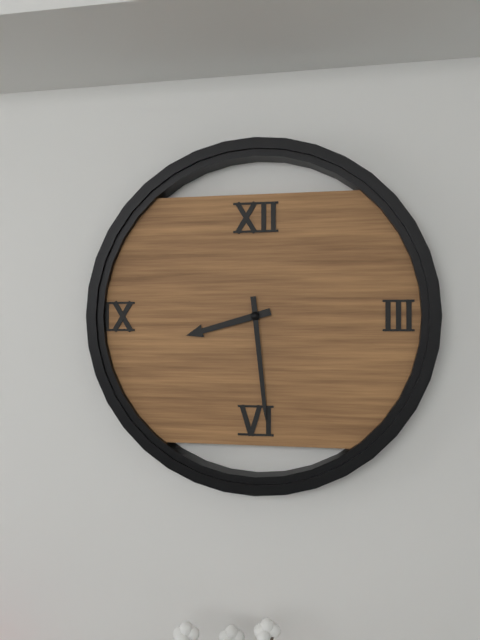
8:29
